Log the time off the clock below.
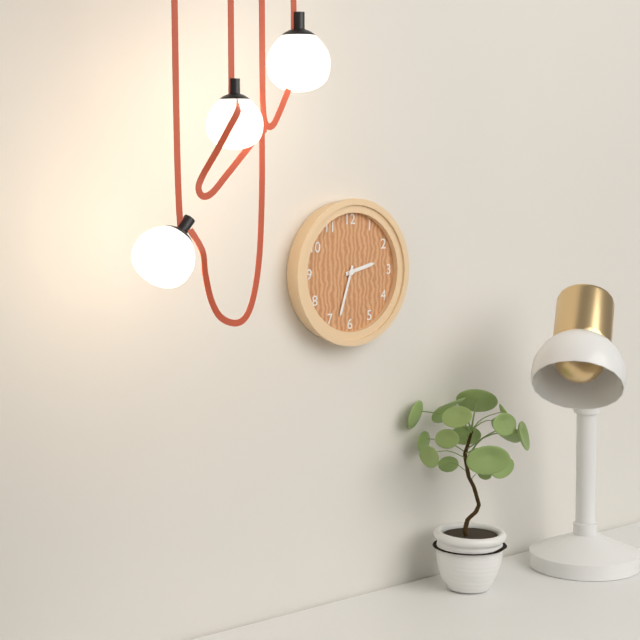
2:33
